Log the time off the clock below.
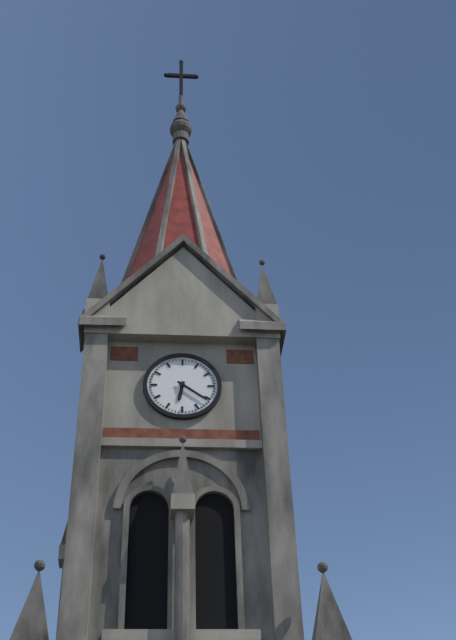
6:21
